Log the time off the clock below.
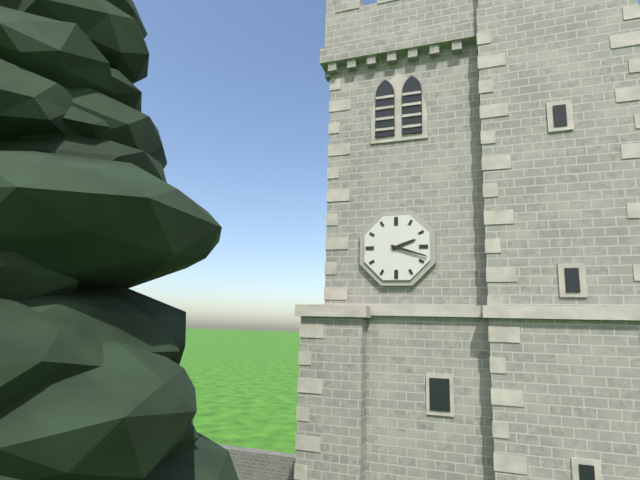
2:18
